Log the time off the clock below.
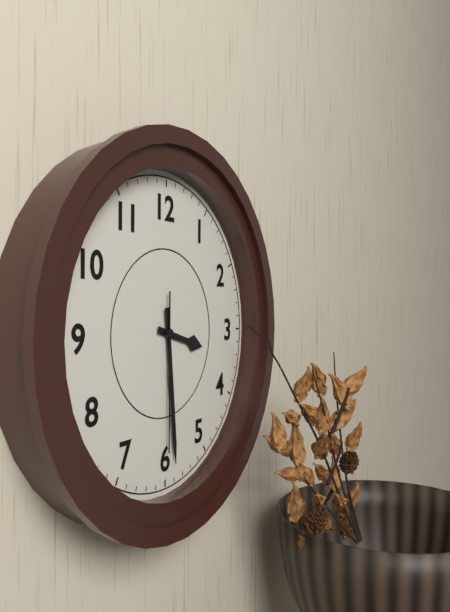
3:29:30
